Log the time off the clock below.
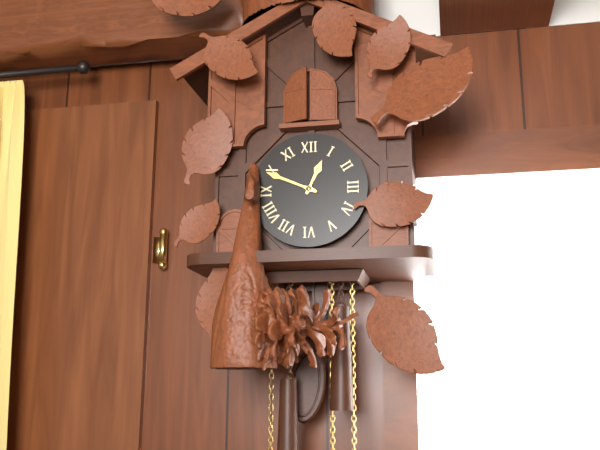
12:49
